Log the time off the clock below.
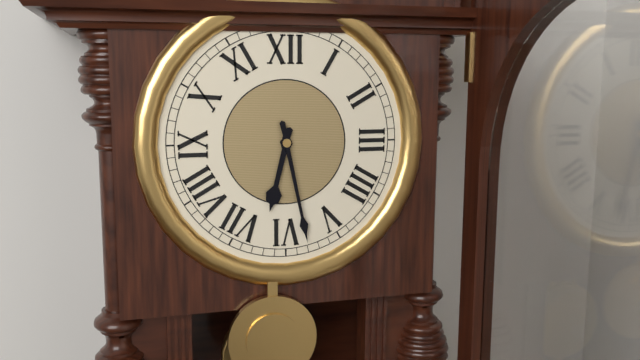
6:28
